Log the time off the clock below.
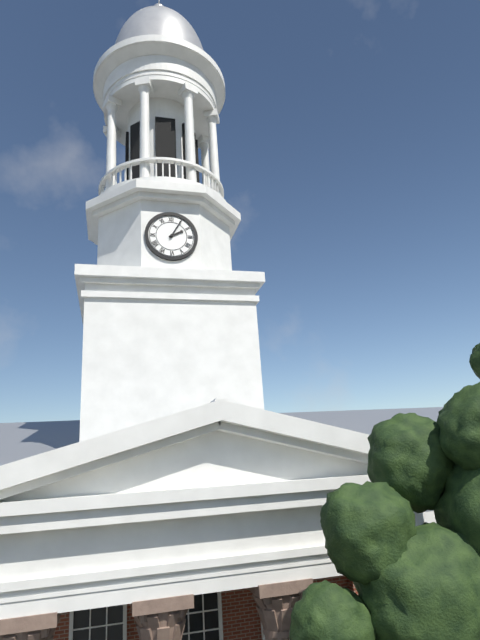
2:05
